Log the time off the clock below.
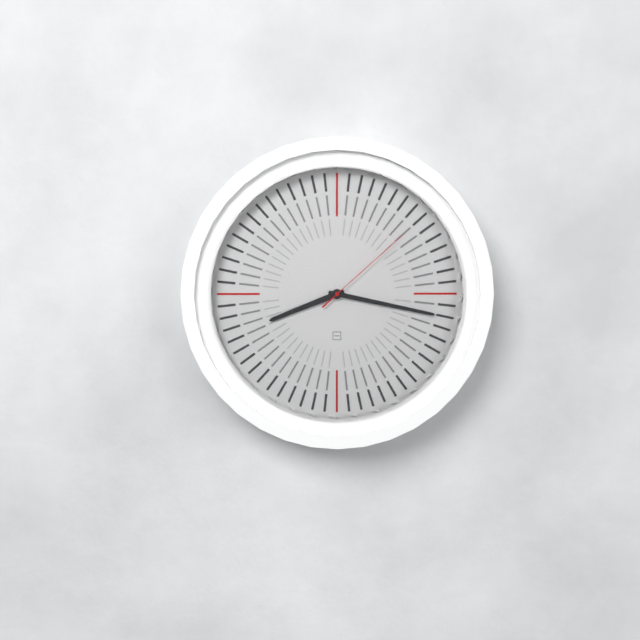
8:17:08
